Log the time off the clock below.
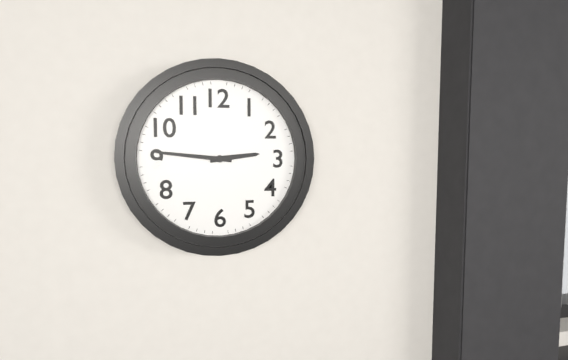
2:46
